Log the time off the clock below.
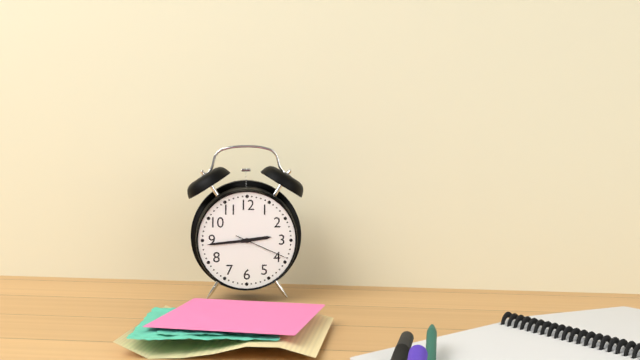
2:44:19
